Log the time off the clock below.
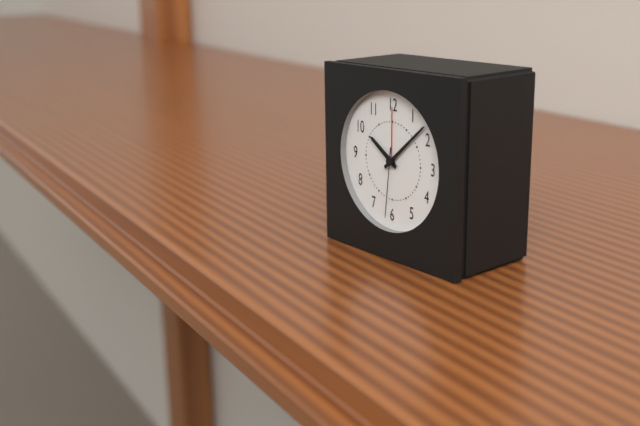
10:08:31
